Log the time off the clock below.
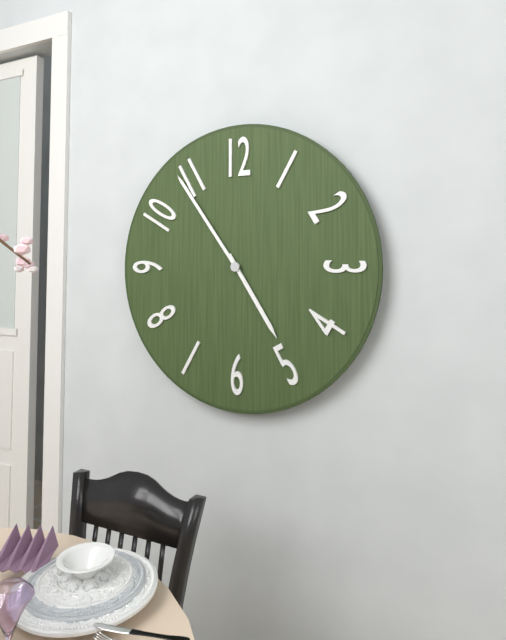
4:54
